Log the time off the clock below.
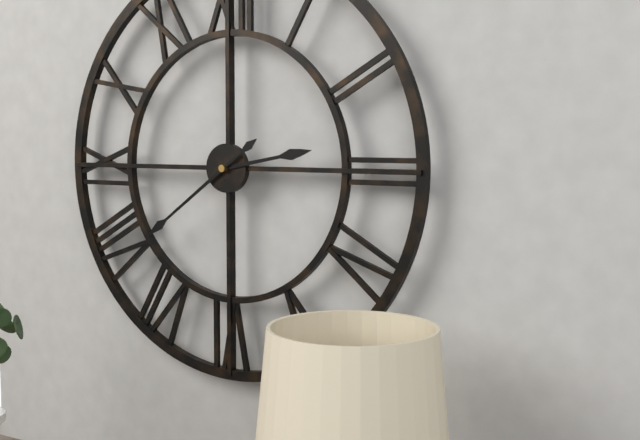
2:39
